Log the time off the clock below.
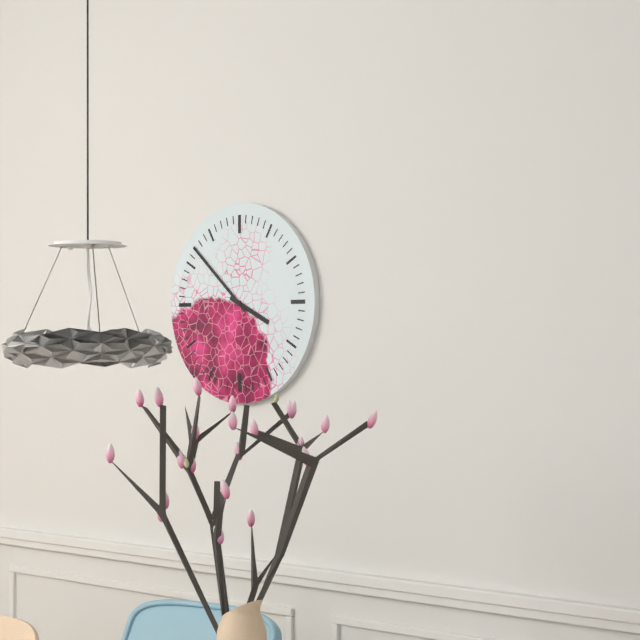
3:52
